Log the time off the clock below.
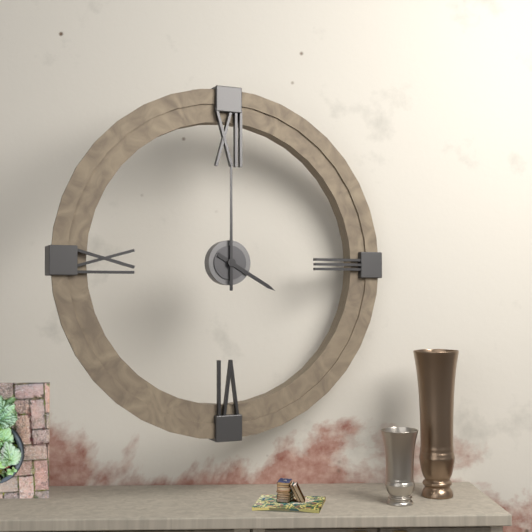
4:00
